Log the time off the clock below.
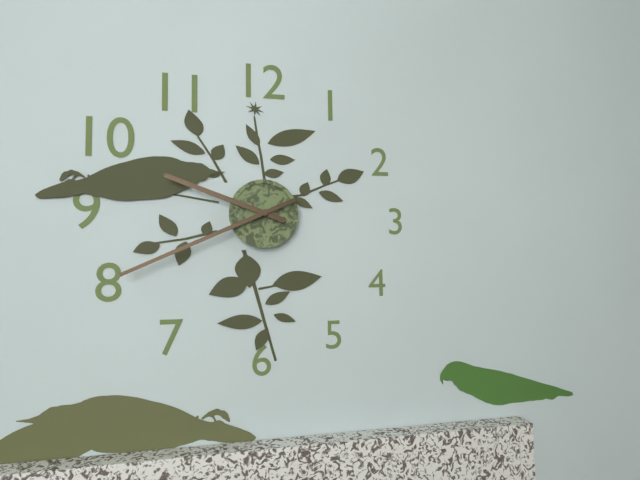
9:41
